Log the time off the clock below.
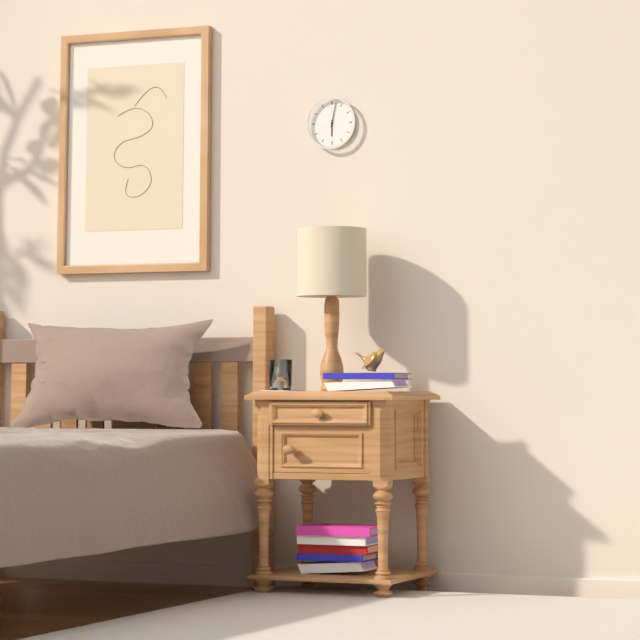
6:02
